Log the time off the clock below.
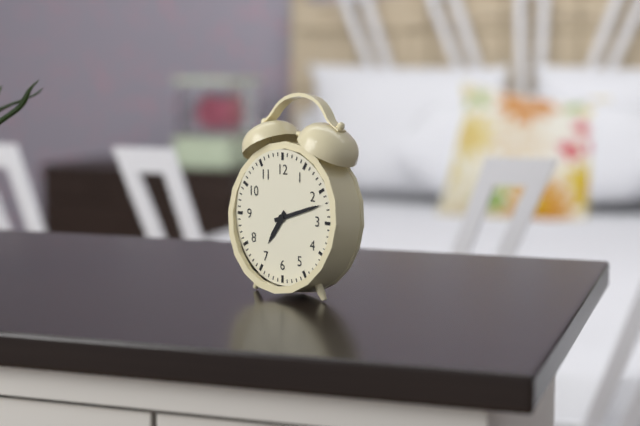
7:12
